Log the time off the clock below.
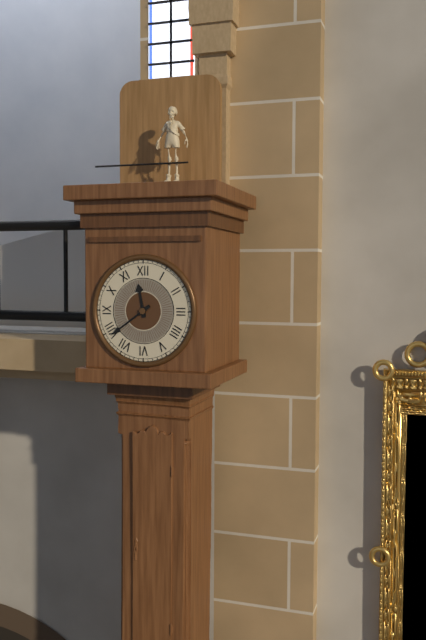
11:39
